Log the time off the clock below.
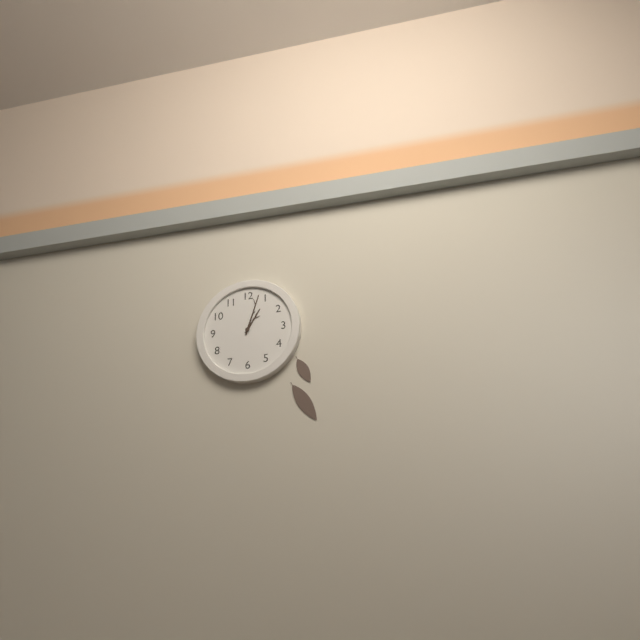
1:03
